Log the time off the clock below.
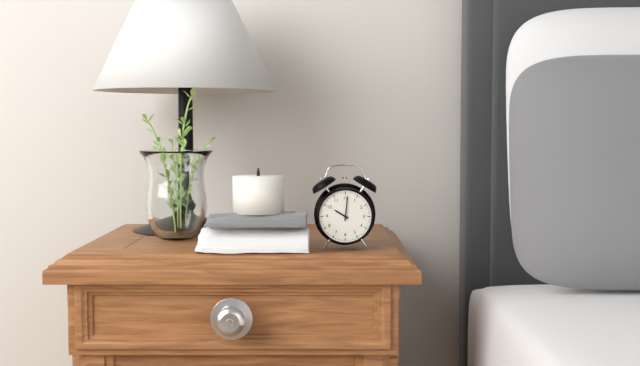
10:01
